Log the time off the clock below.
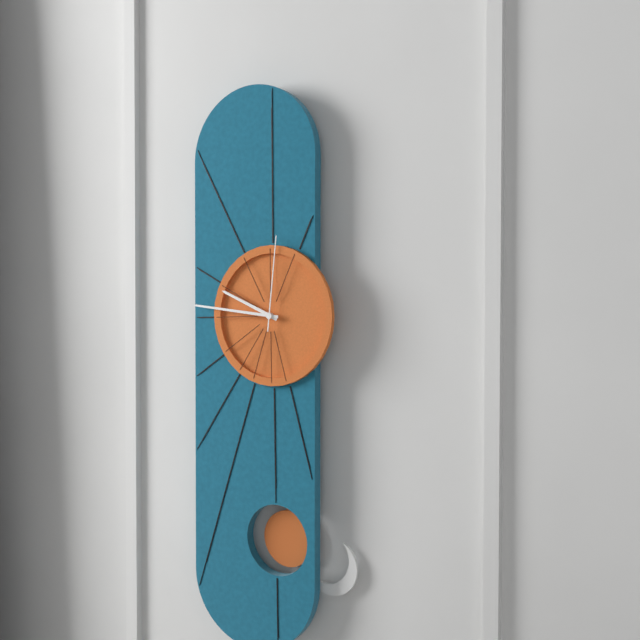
9:46:01
